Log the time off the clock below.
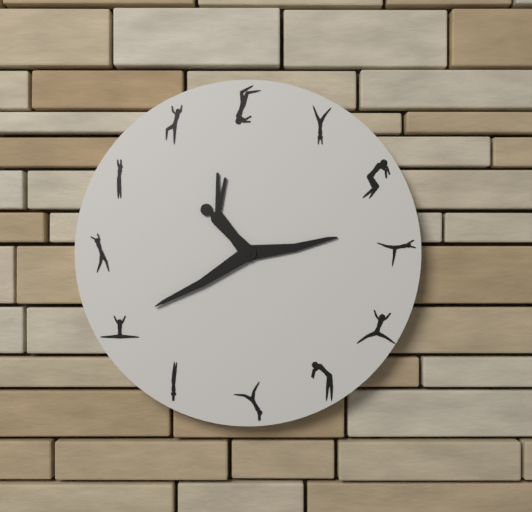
2:40
